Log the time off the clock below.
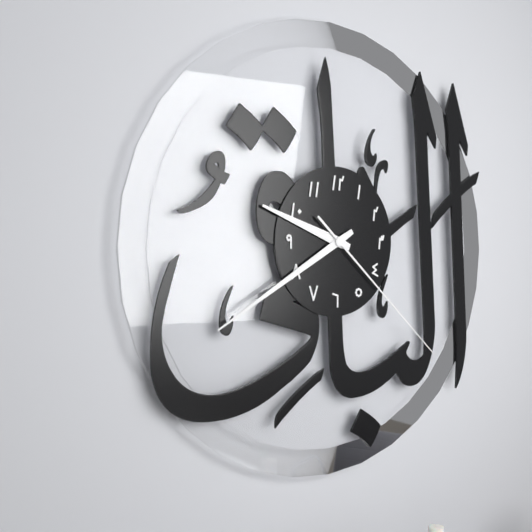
9:40:22
